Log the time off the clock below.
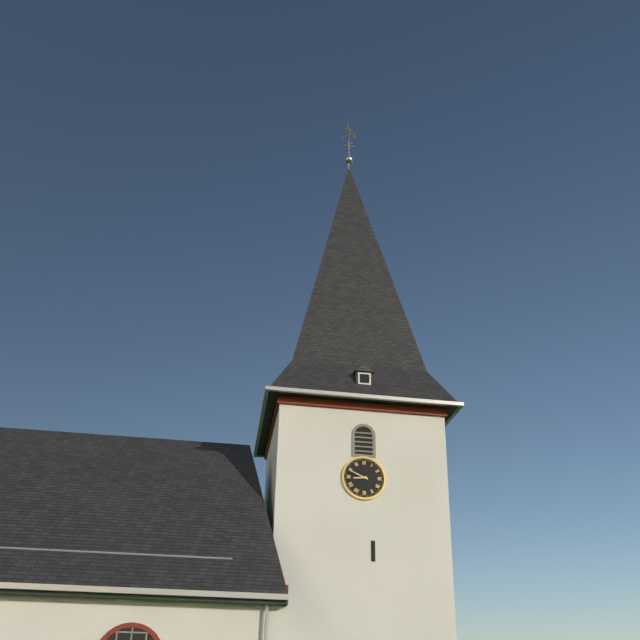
8:49
